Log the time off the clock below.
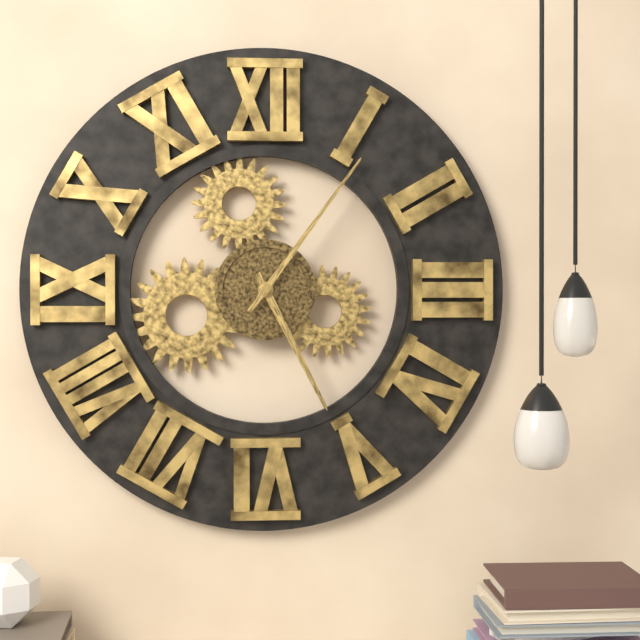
5:06
